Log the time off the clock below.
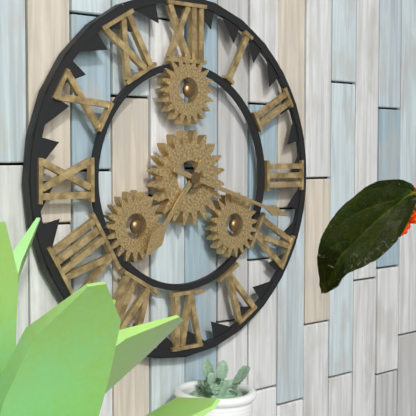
7:18
